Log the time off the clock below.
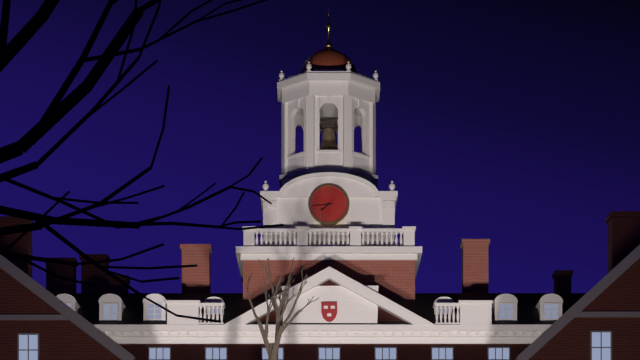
7:44
